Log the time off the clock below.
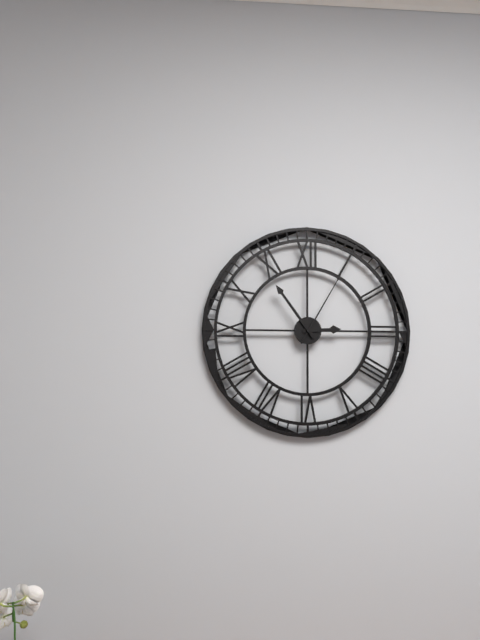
2:54:05
